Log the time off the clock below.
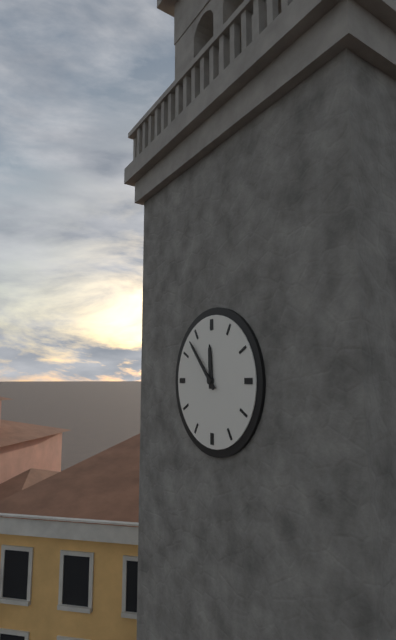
11:53
